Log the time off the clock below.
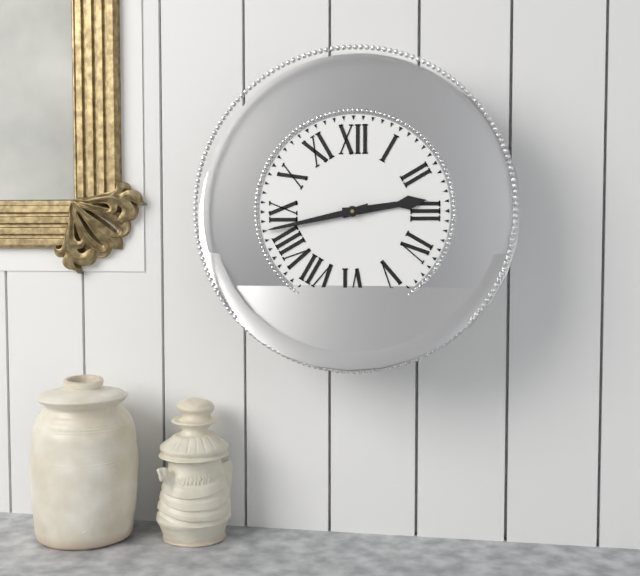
2:43
